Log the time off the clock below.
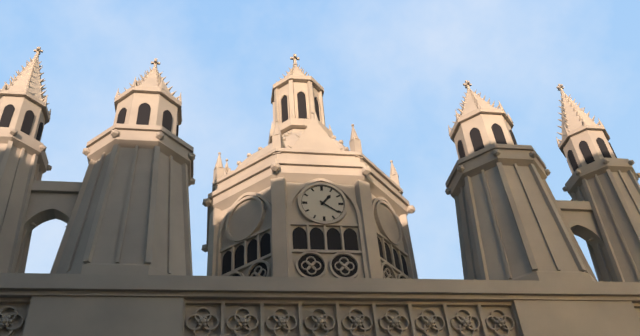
1:21
